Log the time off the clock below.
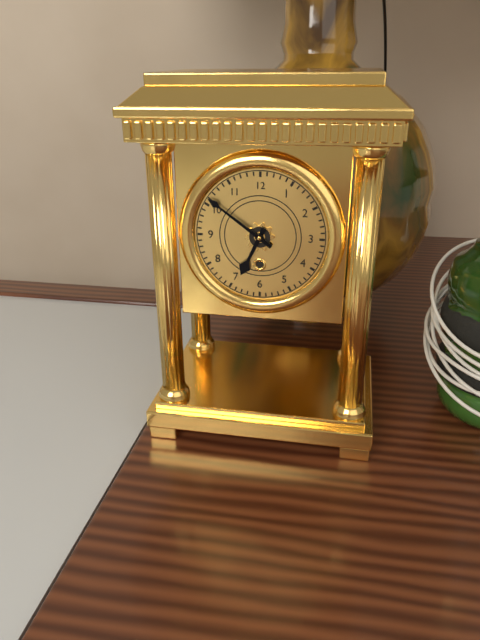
6:51
